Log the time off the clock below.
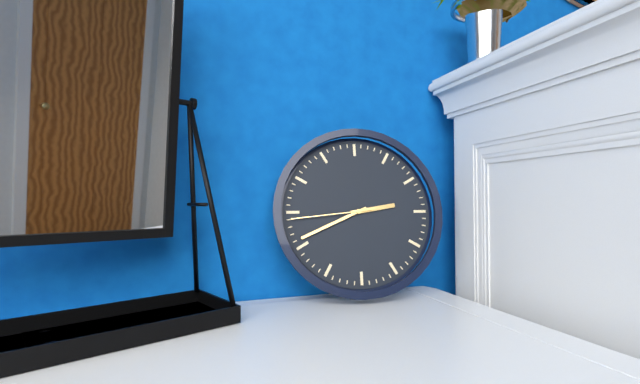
2:41:44
